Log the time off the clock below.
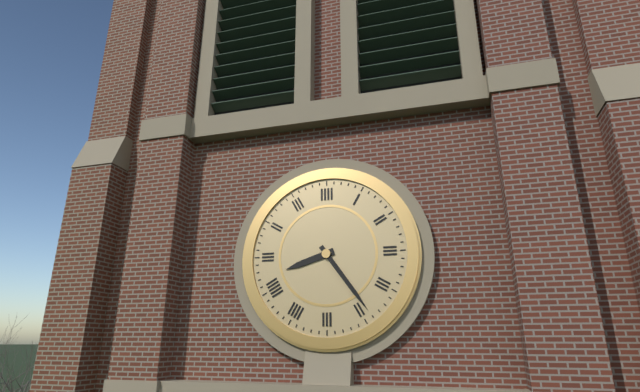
8:24
